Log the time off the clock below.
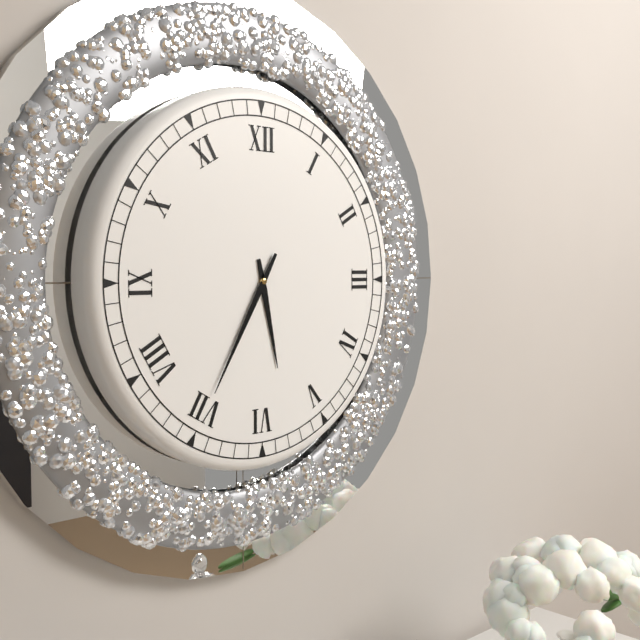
5:35
